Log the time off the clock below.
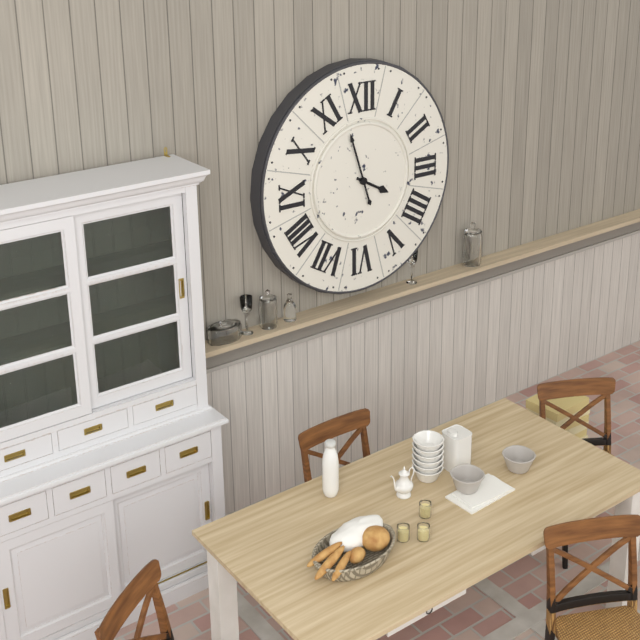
3:57
